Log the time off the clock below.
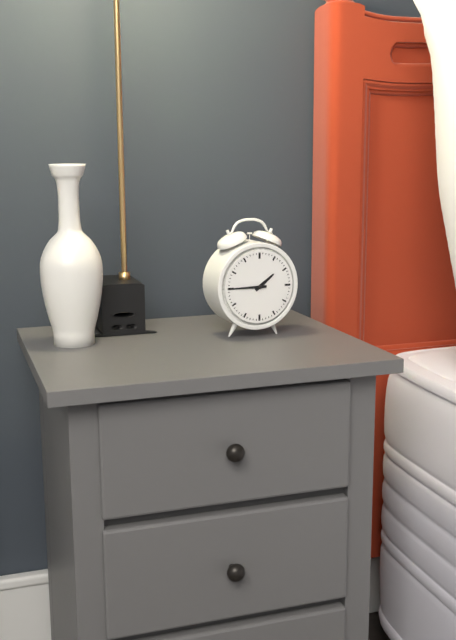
1:45
